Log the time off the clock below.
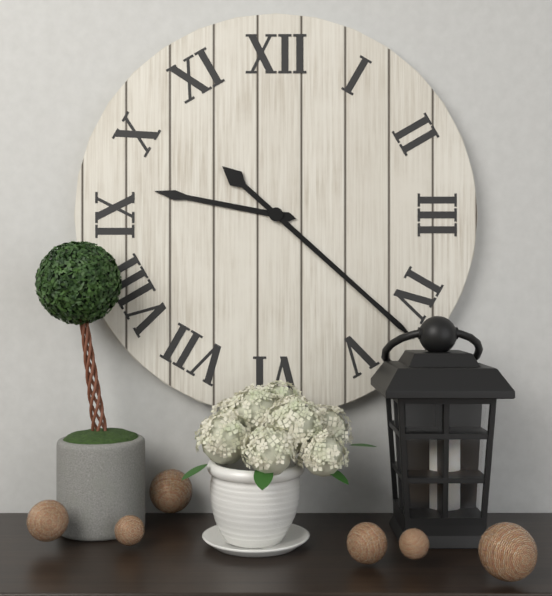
9:22
